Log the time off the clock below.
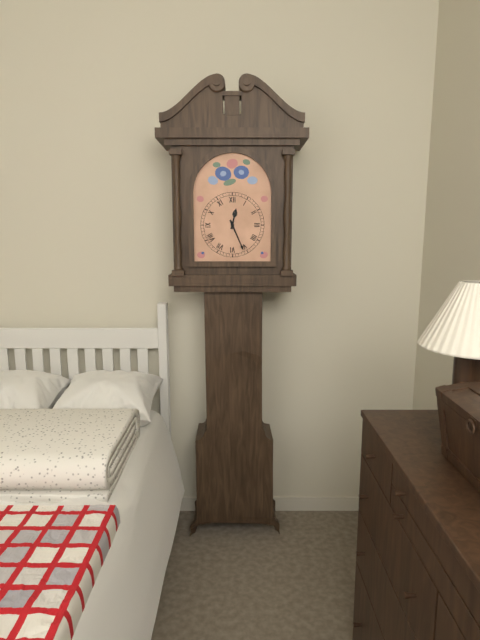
12:26
